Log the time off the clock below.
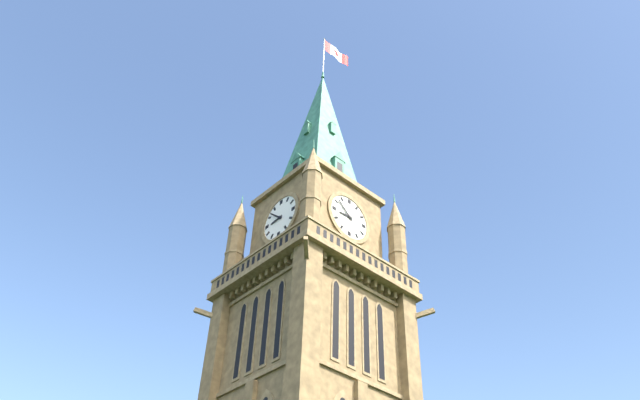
8:52
